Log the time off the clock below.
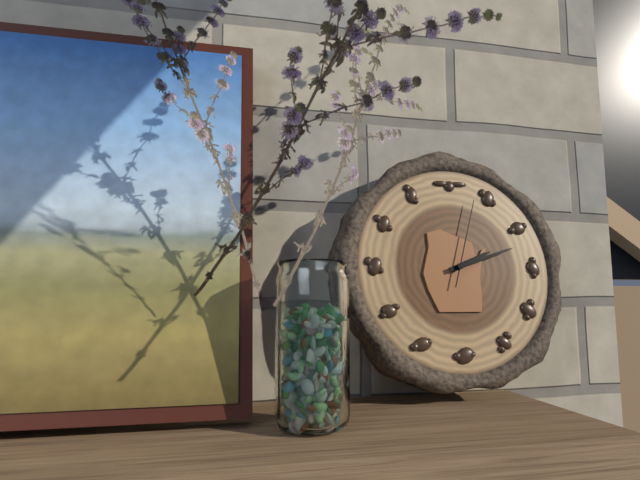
2:12:03
